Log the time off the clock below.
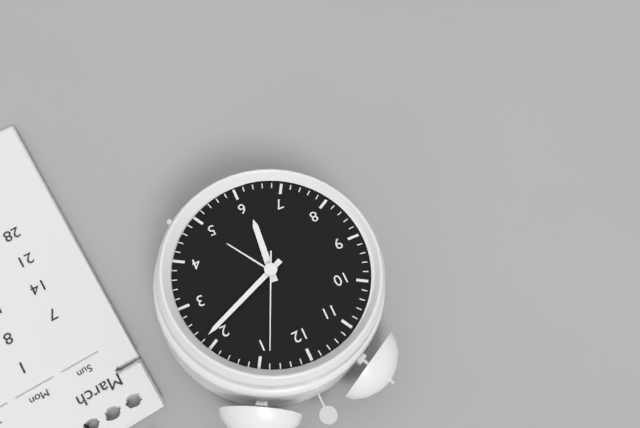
6:11:04
